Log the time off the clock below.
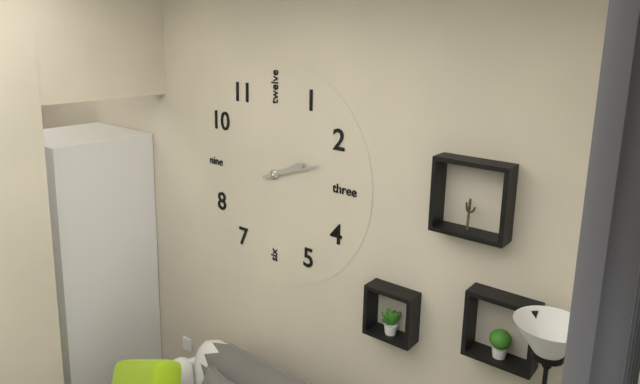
2:12
